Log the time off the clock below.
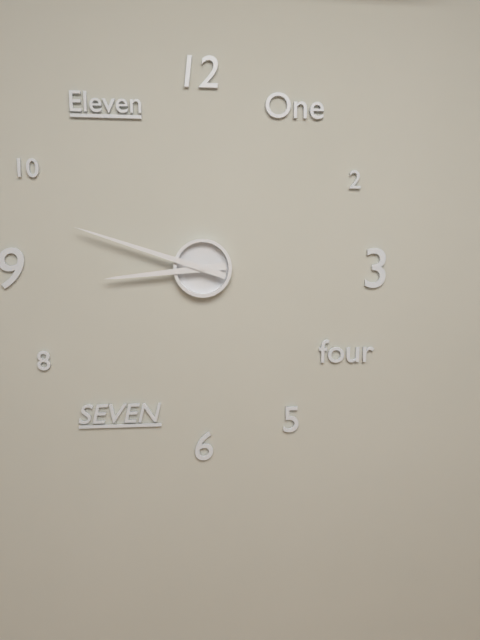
8:48
